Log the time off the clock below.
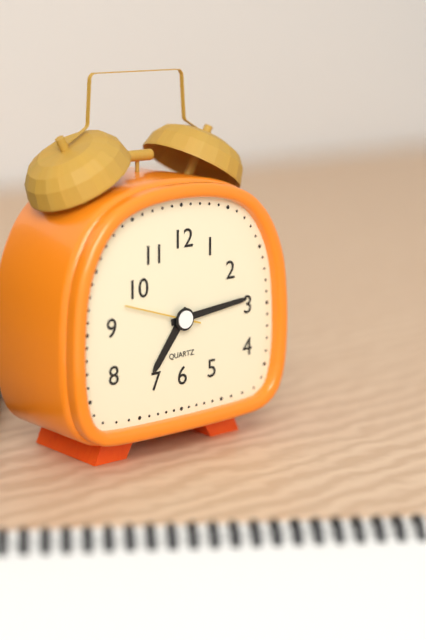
7:14:48
